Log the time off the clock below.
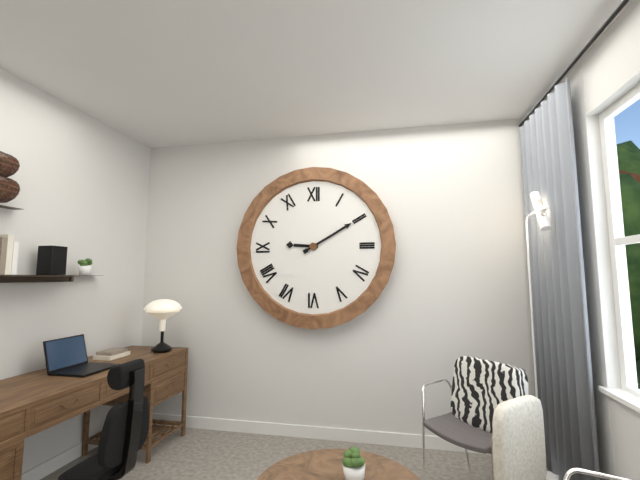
9:10
